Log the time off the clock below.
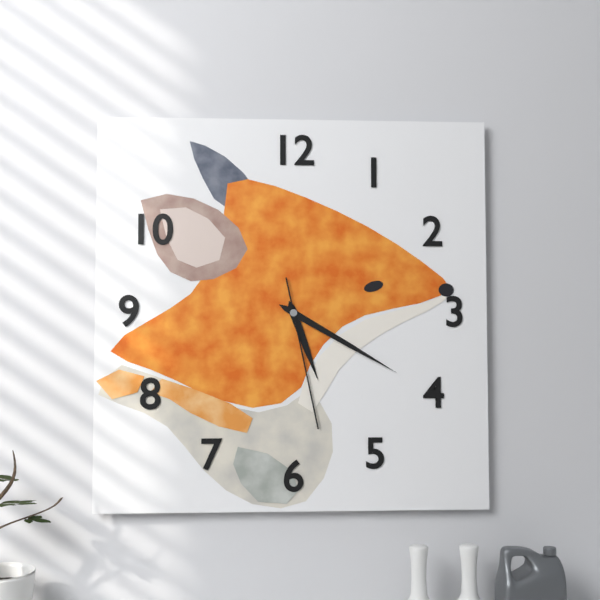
5:20:28
